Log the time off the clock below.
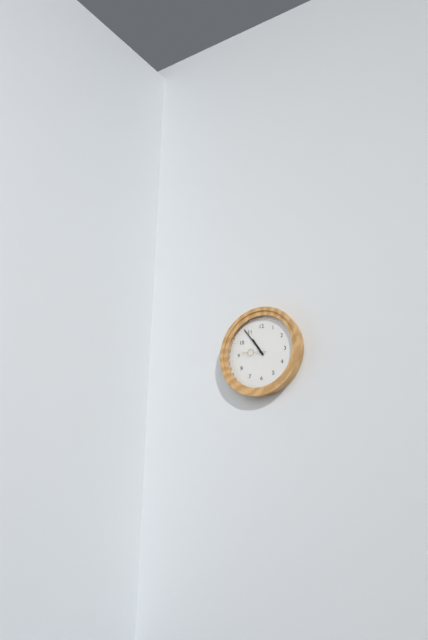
10:54
